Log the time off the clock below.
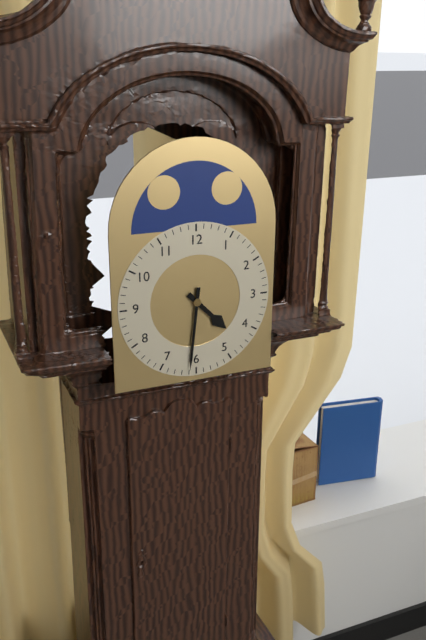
4:31
